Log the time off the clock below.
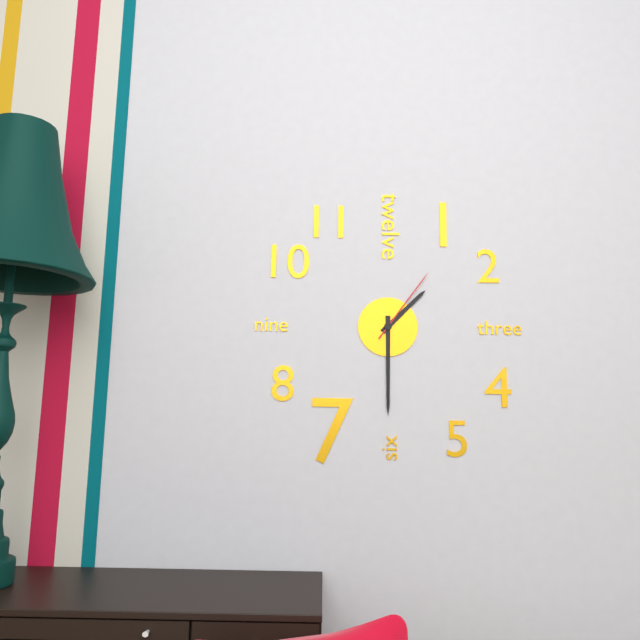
1:30:06
